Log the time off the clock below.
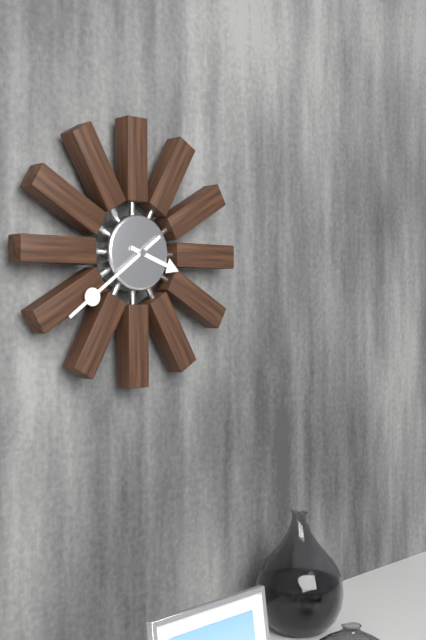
3:39
